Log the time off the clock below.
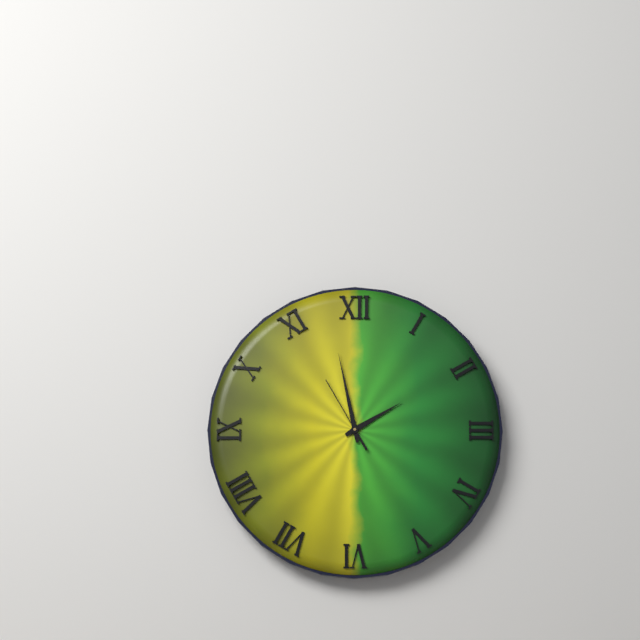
1:58:55
